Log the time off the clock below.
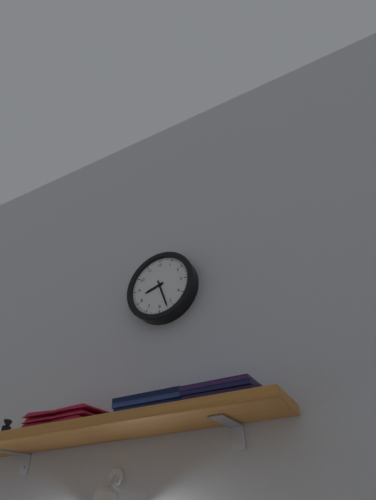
8:27
